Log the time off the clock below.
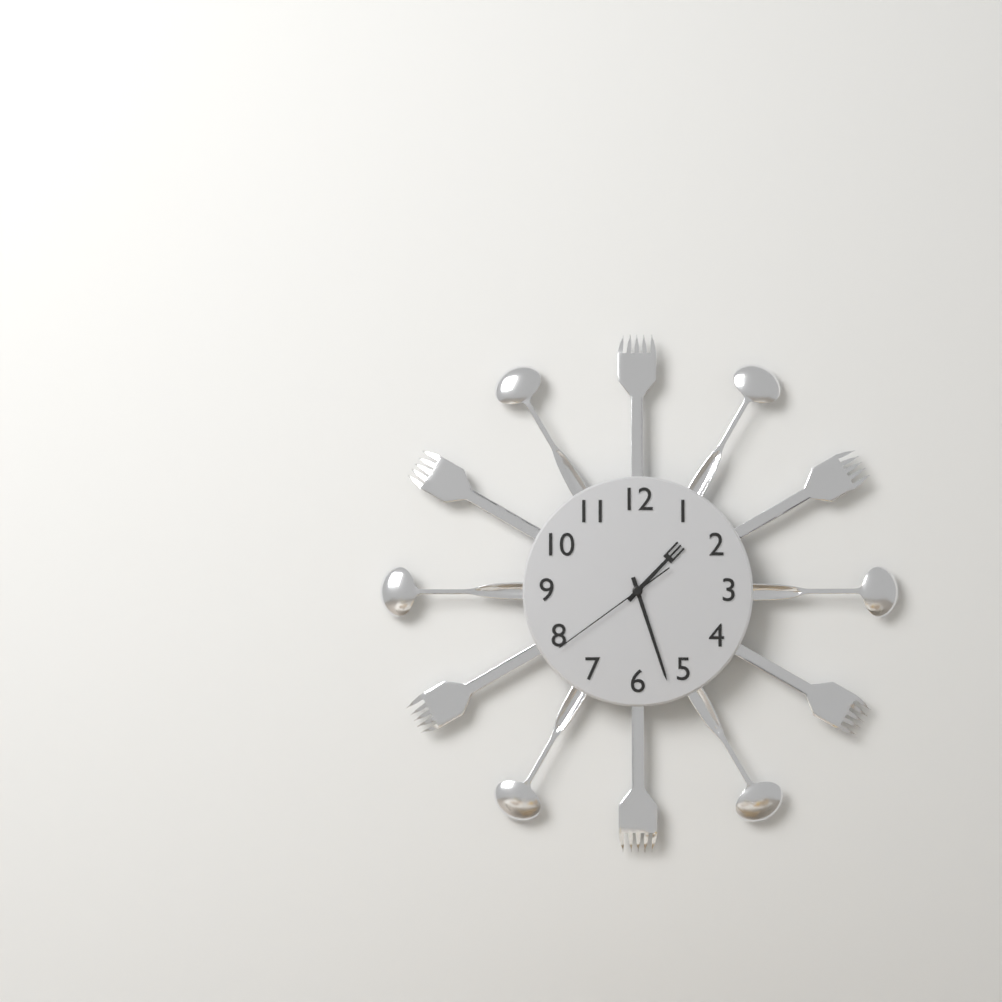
1:27:39
